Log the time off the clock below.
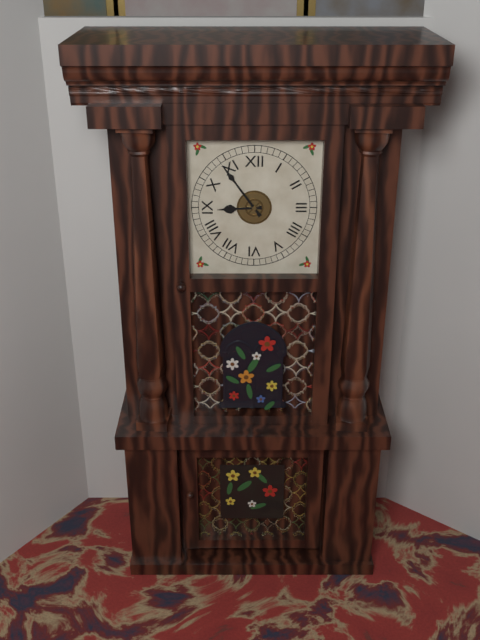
8:54
